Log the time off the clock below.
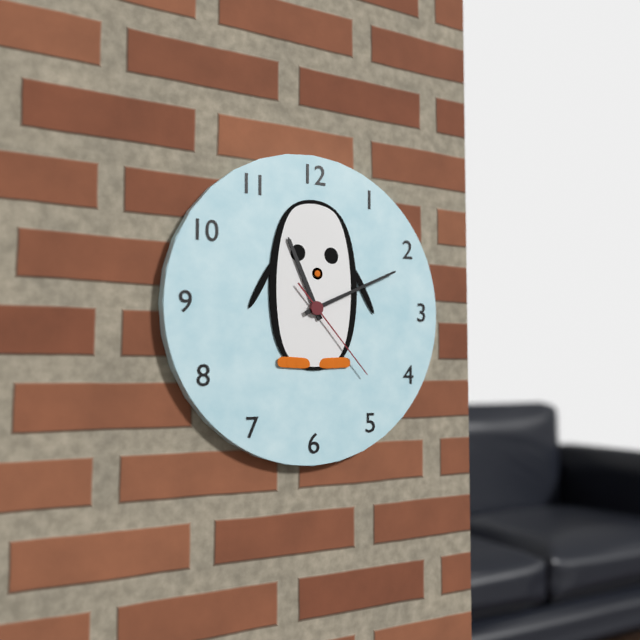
11:11:23
